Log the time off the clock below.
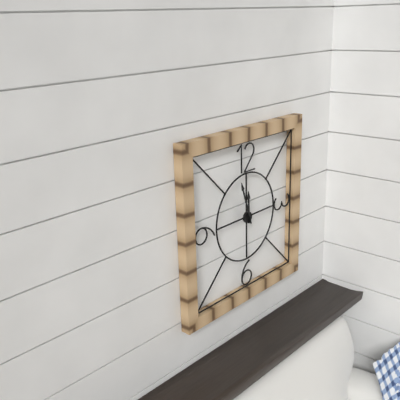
11:57
